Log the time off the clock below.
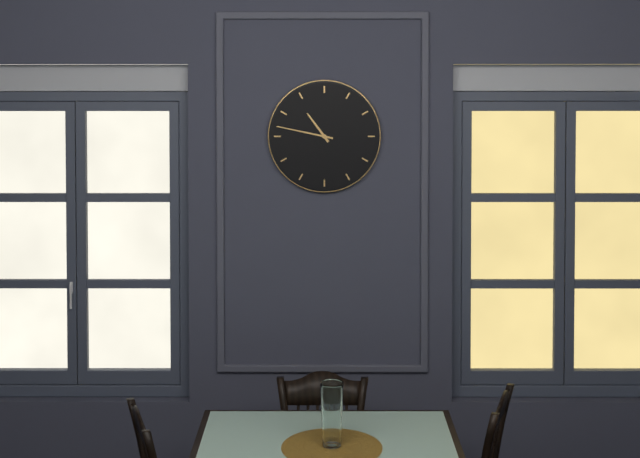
10:47
